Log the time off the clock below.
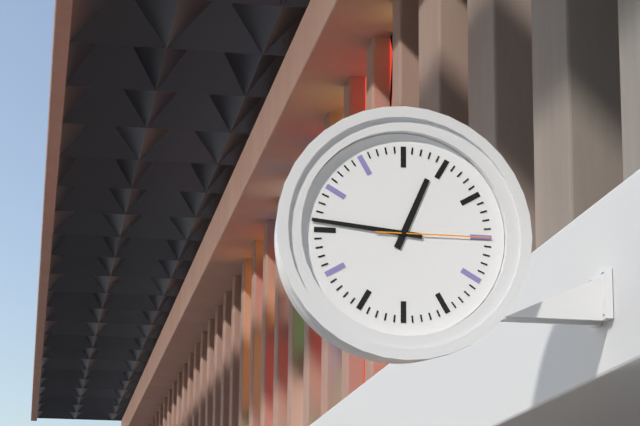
12:46:15
